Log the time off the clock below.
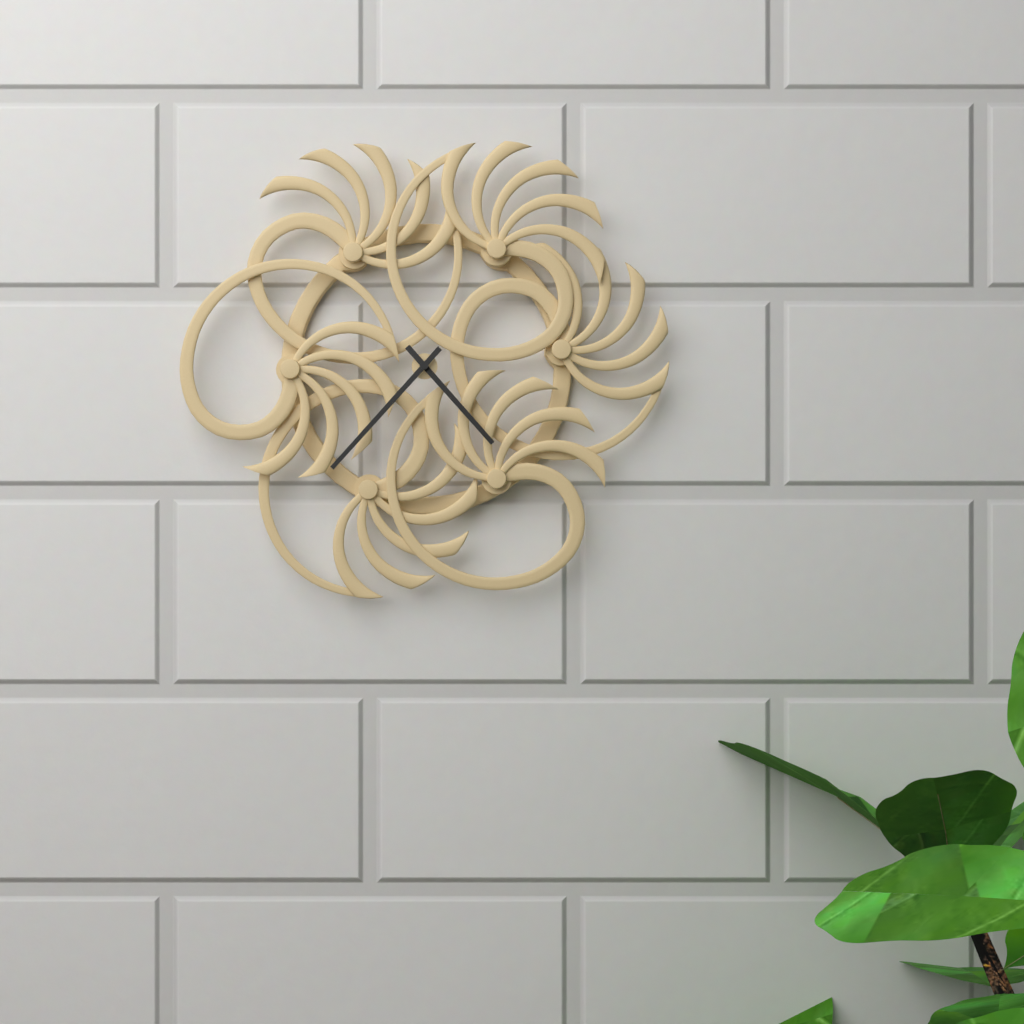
4:37
